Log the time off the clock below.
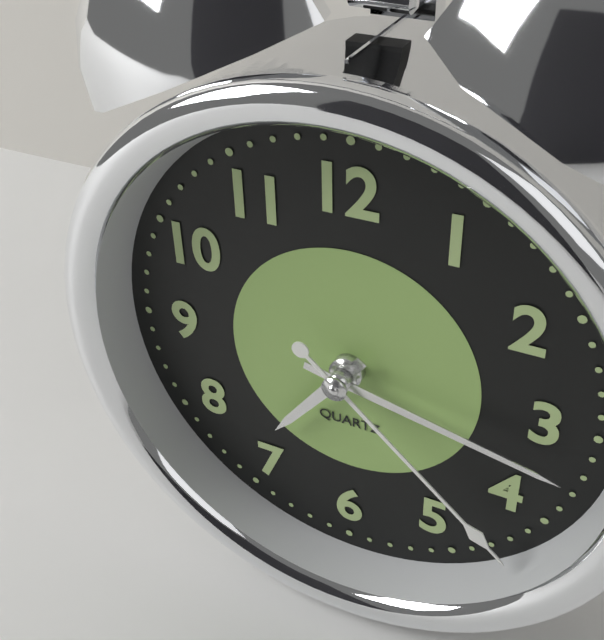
7:17:22
